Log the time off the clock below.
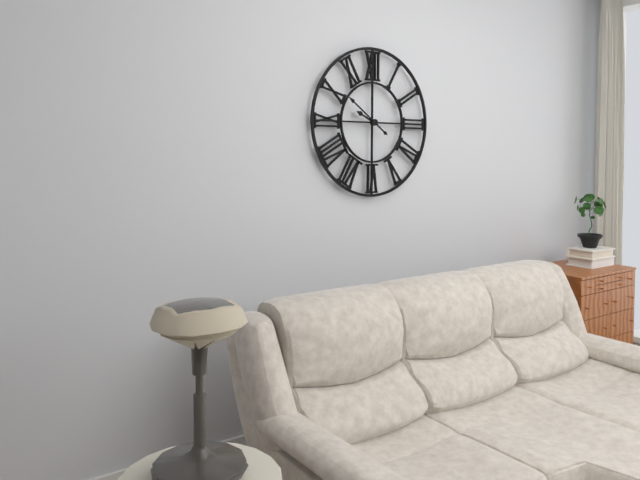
9:51
